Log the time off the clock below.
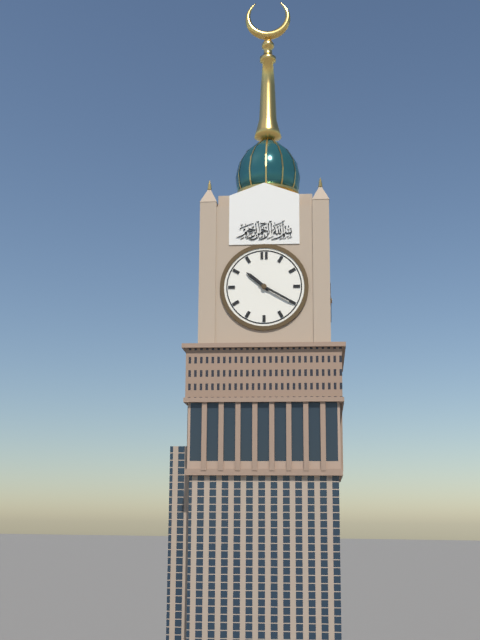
10:20
